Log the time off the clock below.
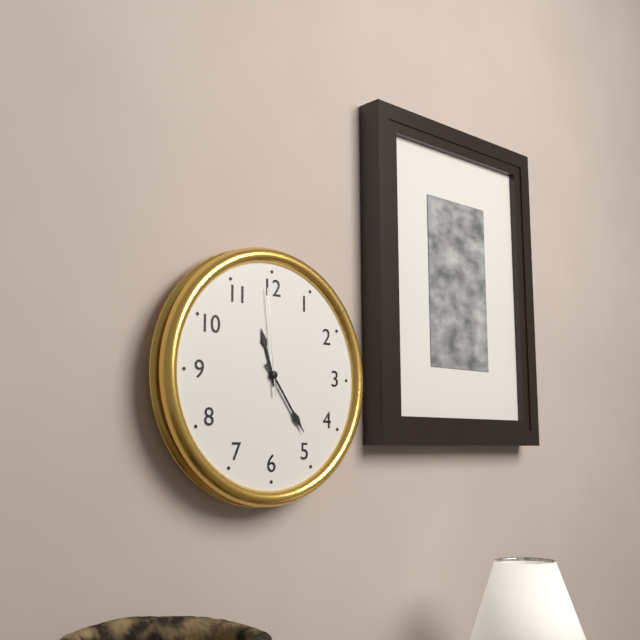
11:24:59
